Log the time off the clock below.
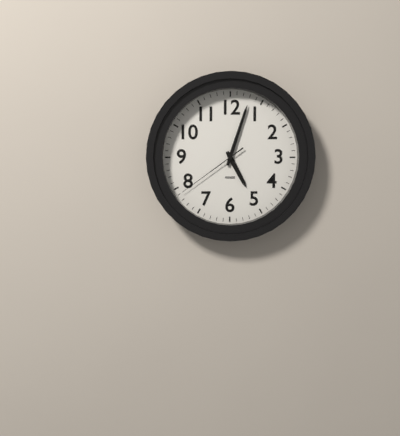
5:03:39
